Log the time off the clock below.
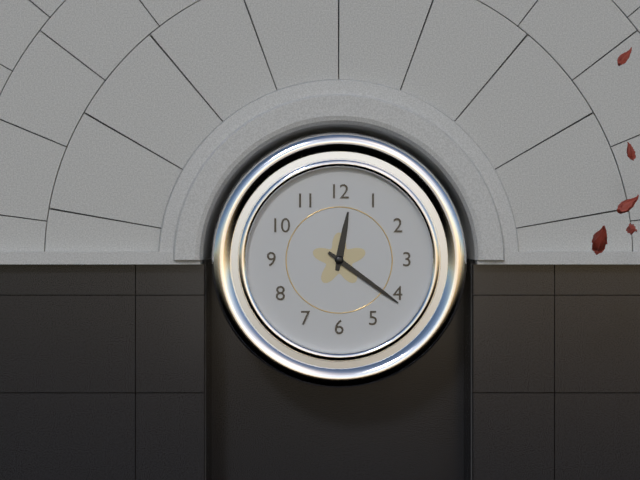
12:21
